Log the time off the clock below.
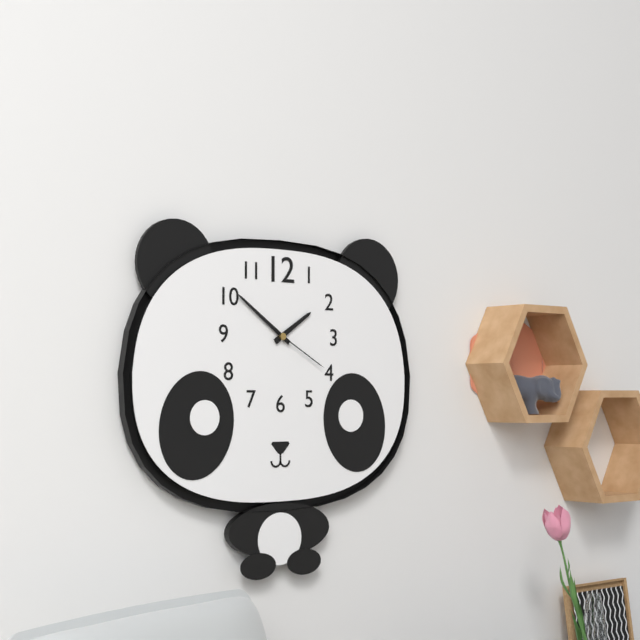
1:51:20
